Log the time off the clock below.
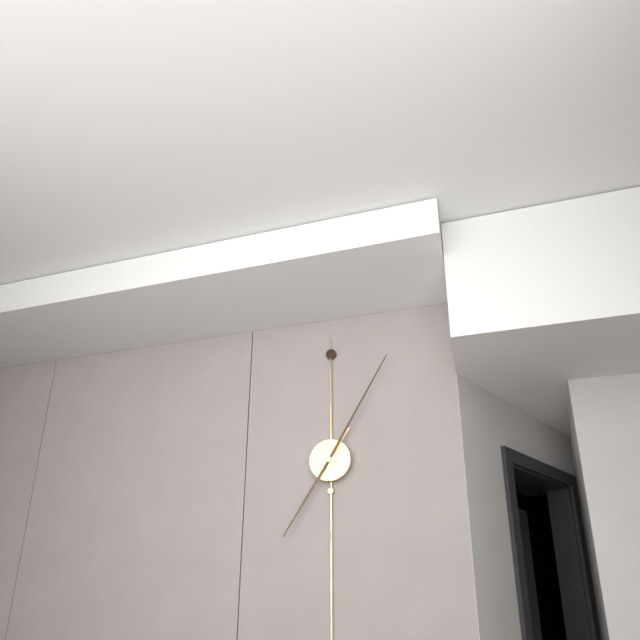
7:05
